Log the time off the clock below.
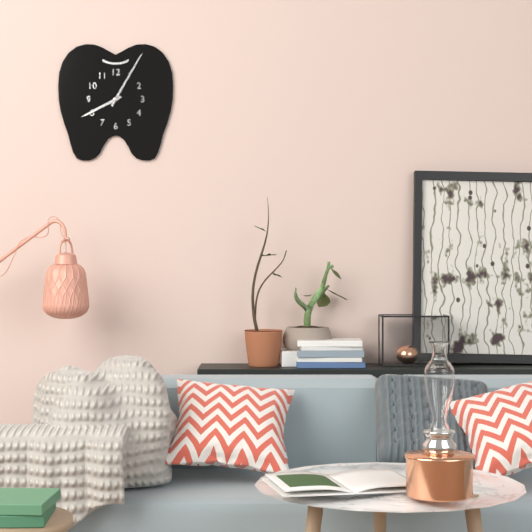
8:05
